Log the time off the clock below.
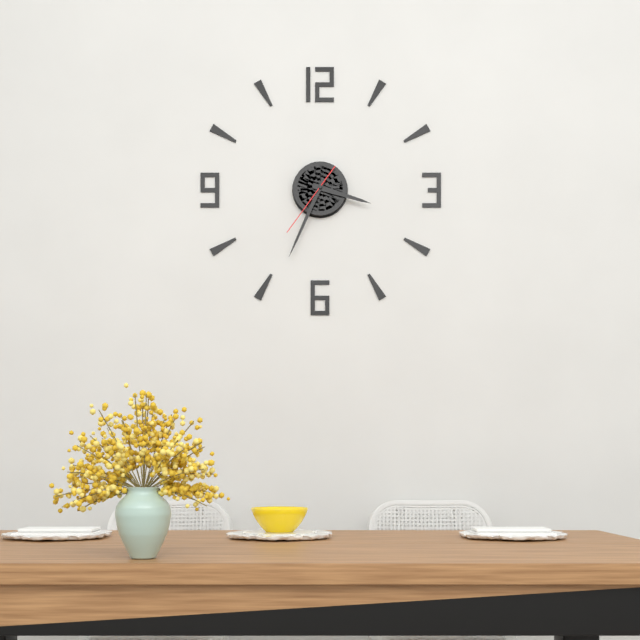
3:34:36
